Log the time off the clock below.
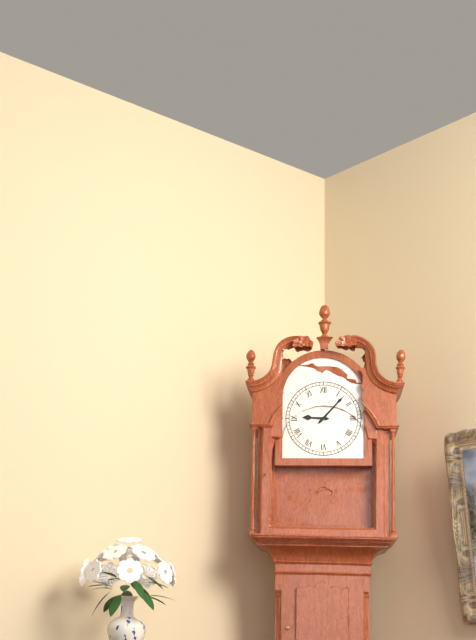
9:07
